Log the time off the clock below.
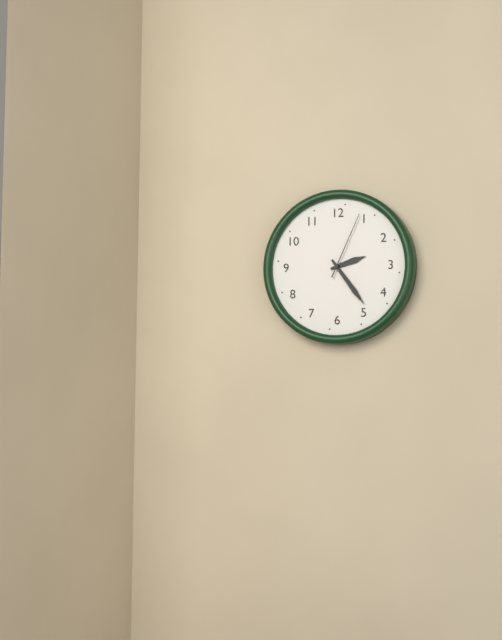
2:24:04
